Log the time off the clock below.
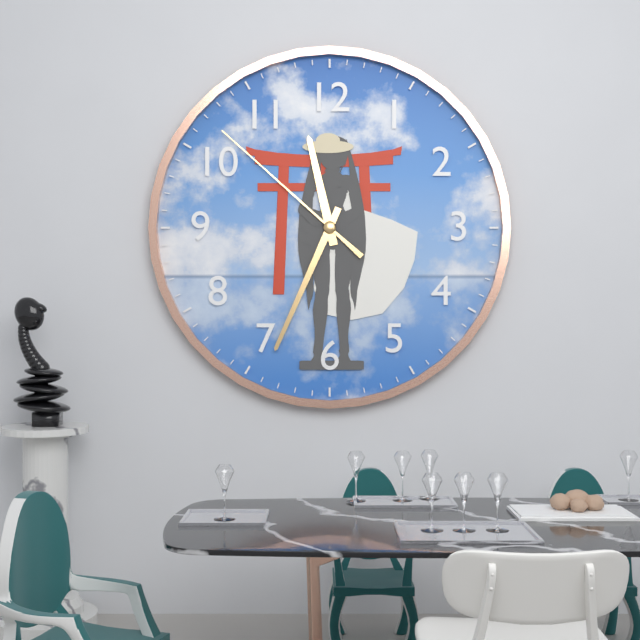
11:34:52
